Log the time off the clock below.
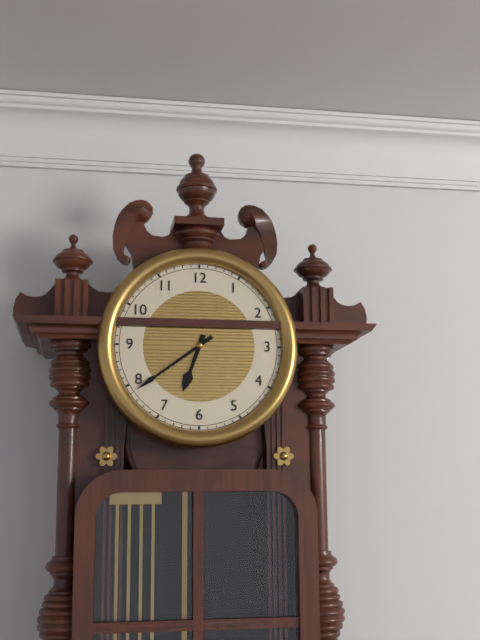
6:39
